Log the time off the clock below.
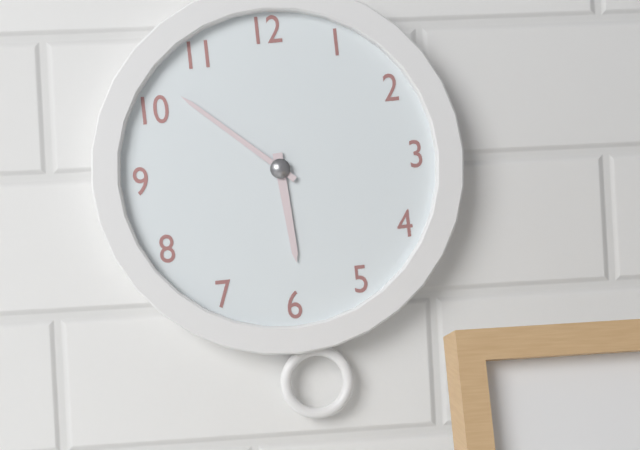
5:52
